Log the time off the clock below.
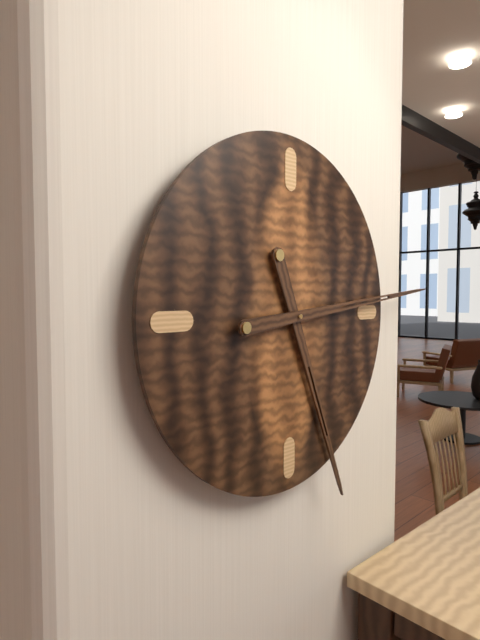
5:14
